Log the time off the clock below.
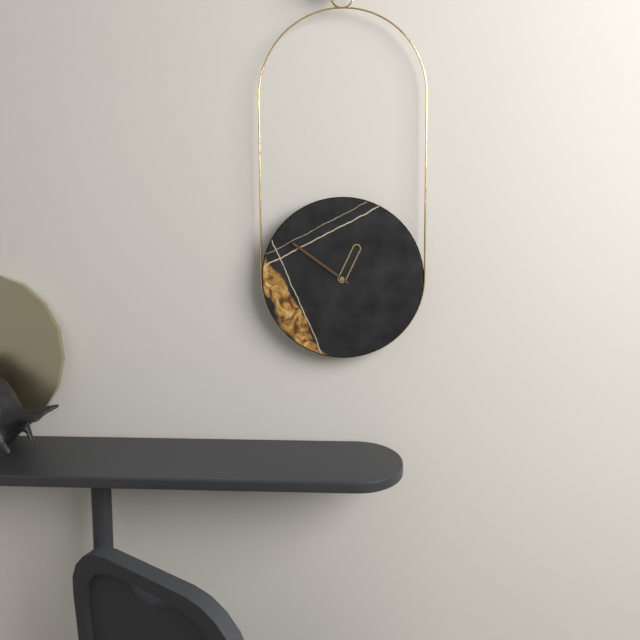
12:51
